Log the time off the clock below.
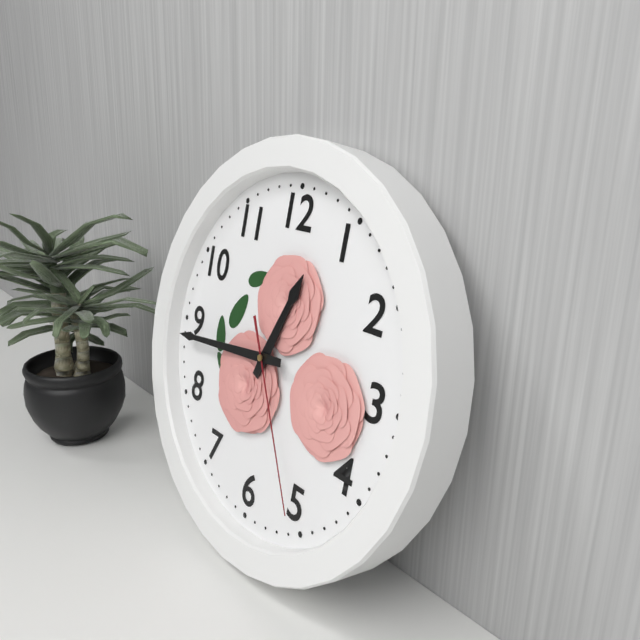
12:44:25
